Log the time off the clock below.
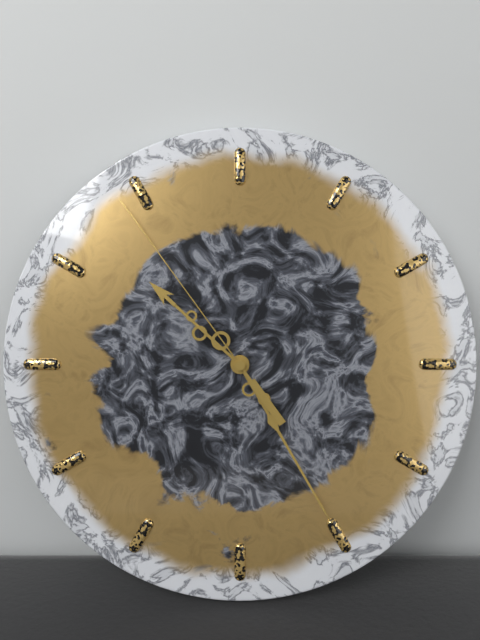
10:25:54
